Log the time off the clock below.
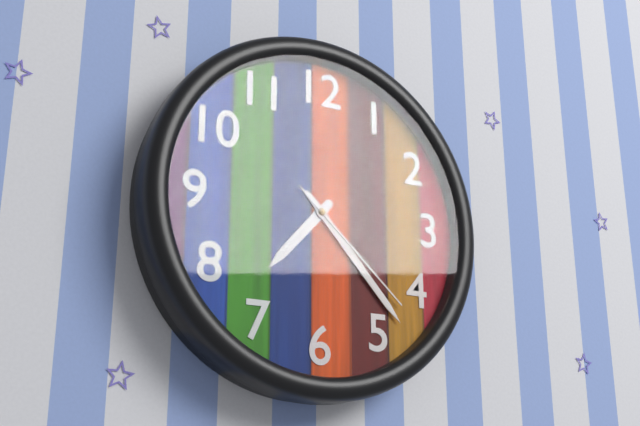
7:23:22
